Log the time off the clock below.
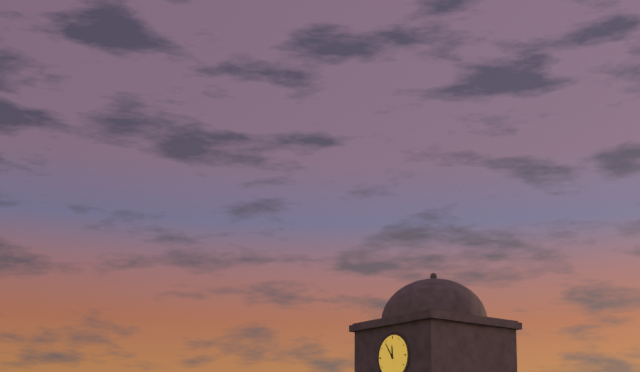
11:54
